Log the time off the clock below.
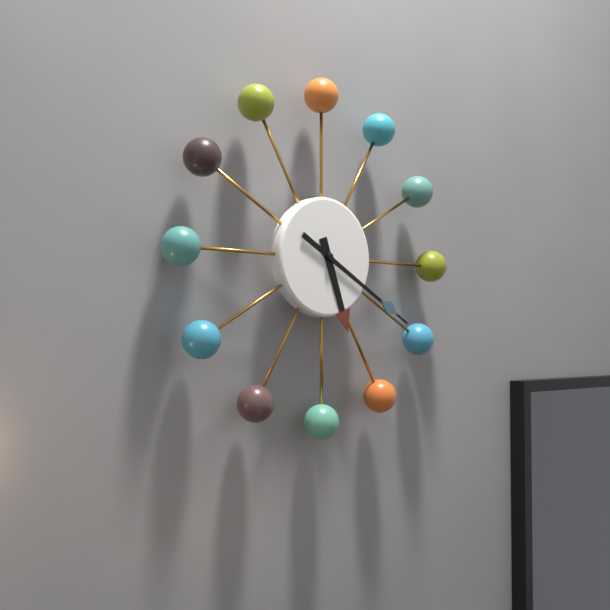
5:20
